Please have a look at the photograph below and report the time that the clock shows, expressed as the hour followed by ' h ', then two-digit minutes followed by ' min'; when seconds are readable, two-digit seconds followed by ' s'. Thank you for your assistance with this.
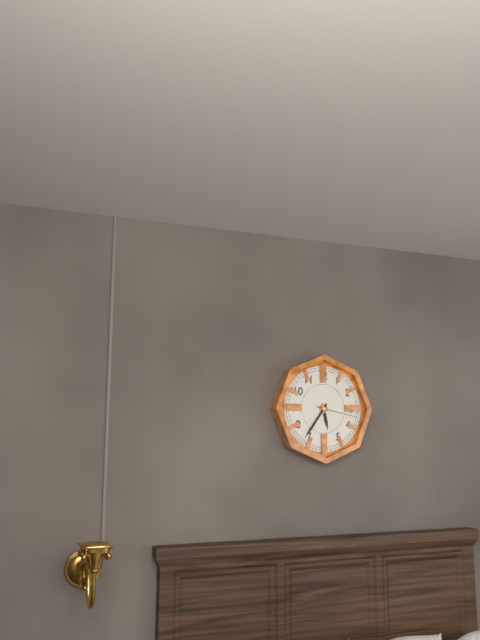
5 h 36 min
